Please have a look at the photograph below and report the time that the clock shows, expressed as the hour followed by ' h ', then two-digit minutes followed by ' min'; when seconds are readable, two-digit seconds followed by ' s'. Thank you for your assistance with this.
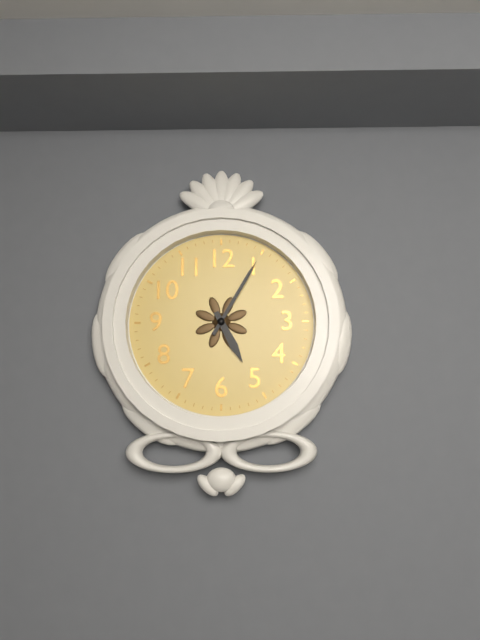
5 h 05 min
